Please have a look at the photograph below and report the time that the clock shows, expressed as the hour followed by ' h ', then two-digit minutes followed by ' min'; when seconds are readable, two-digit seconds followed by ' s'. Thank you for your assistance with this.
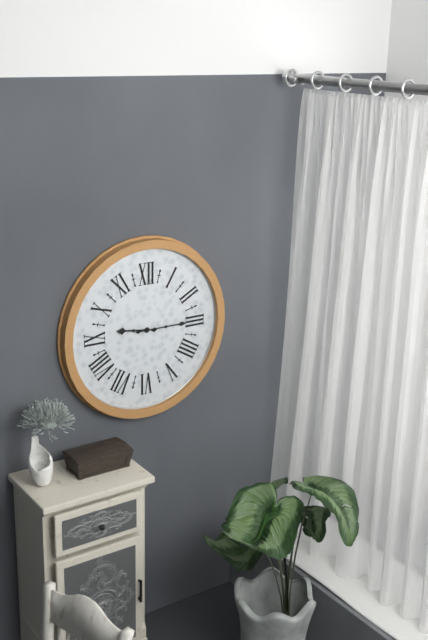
9 h 15 min
